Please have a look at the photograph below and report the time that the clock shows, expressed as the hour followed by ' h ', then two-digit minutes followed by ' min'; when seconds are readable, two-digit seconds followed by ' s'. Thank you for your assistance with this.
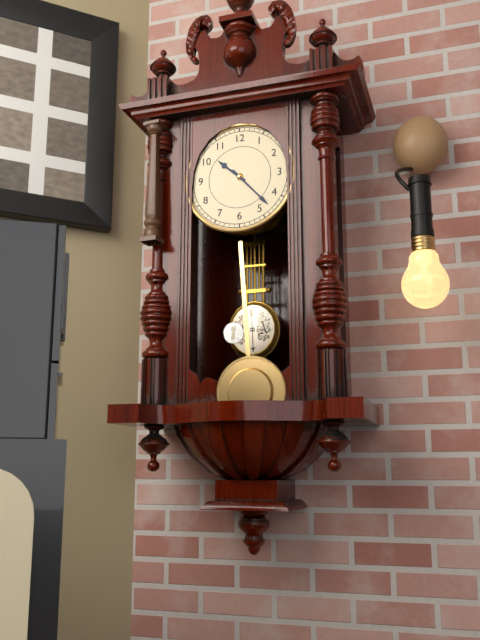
10 h 23 min
